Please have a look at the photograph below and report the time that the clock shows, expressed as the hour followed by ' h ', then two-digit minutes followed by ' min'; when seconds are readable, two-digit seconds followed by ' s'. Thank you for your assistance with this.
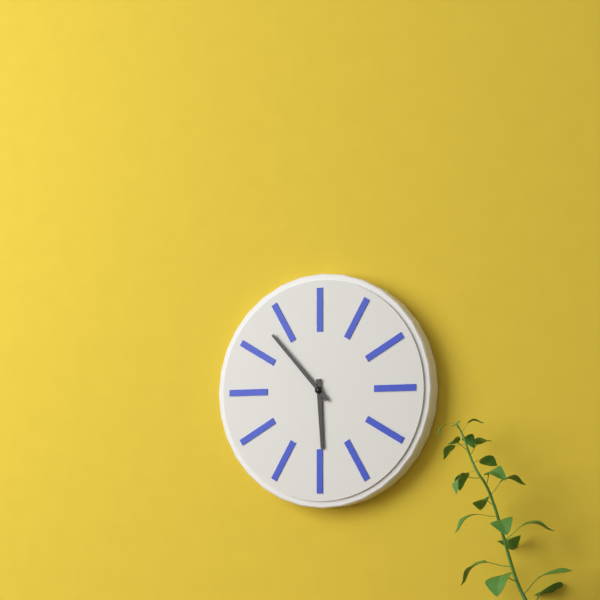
5 h 53 min
